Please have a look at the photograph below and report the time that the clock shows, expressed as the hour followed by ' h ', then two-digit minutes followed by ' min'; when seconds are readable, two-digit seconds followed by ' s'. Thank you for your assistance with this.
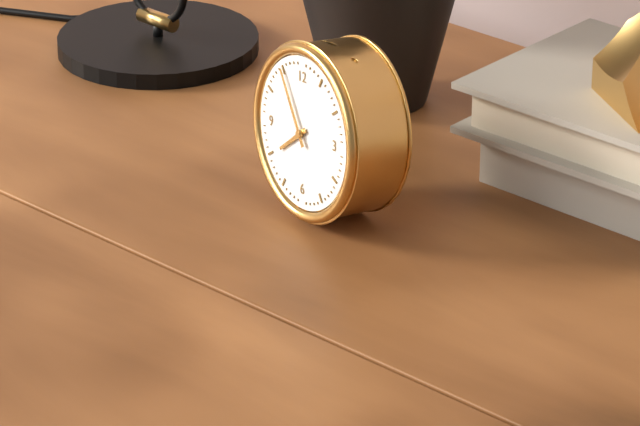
7 h 55 min
